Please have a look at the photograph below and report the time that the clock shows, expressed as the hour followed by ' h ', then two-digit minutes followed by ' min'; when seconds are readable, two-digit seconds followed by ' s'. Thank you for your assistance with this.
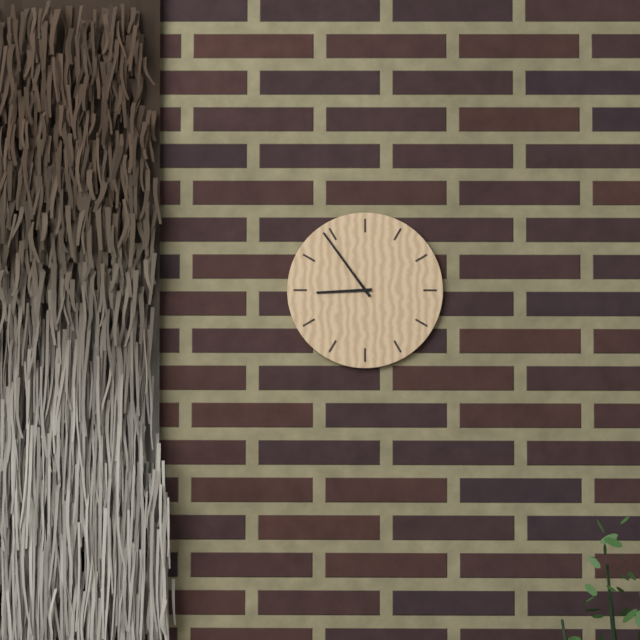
8 h 54 min
